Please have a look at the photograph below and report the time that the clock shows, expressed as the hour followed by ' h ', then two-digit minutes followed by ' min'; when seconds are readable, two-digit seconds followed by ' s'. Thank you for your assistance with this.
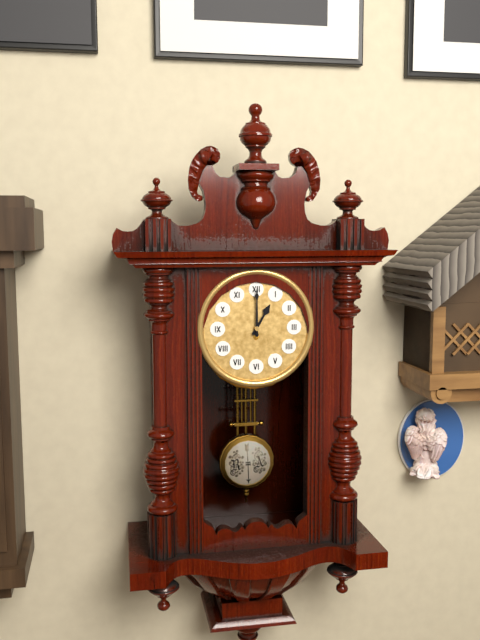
1 h 00 min
